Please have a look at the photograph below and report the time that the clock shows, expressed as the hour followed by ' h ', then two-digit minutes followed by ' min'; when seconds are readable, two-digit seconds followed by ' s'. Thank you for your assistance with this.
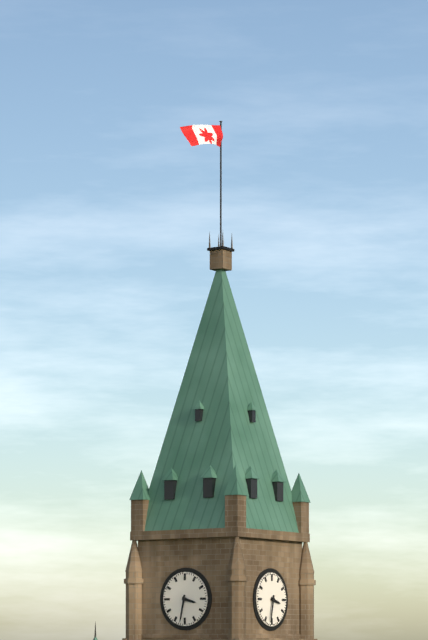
3 h 32 min
